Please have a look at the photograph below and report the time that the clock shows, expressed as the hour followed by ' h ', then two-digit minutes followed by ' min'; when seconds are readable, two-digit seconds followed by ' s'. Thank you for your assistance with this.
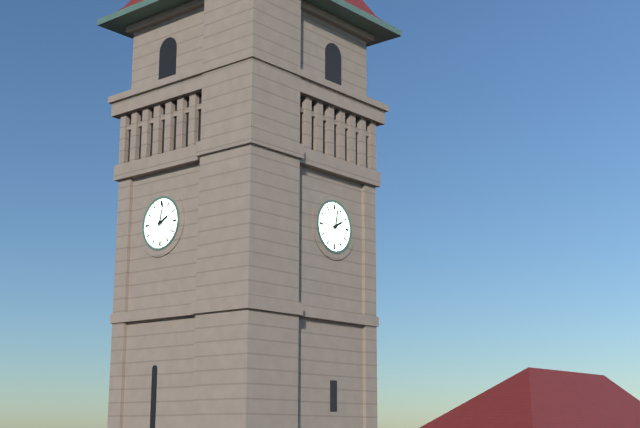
2 h 02 min
